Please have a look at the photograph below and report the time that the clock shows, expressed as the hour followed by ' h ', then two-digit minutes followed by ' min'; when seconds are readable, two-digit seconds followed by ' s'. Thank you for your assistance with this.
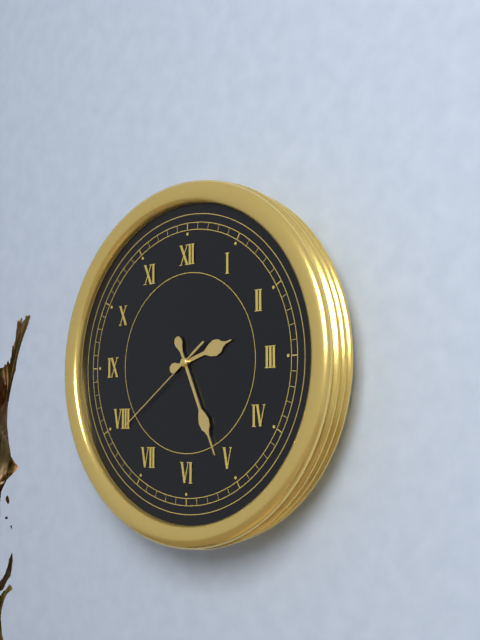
2 h 26 min 39 s
